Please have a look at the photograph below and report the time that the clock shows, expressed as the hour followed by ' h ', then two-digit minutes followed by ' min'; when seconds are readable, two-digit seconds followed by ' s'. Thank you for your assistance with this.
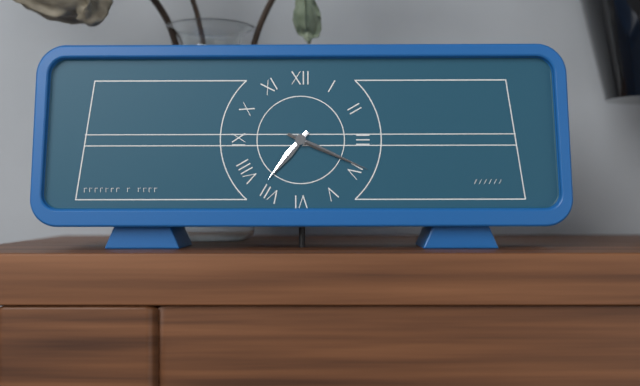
7 h 19 min
